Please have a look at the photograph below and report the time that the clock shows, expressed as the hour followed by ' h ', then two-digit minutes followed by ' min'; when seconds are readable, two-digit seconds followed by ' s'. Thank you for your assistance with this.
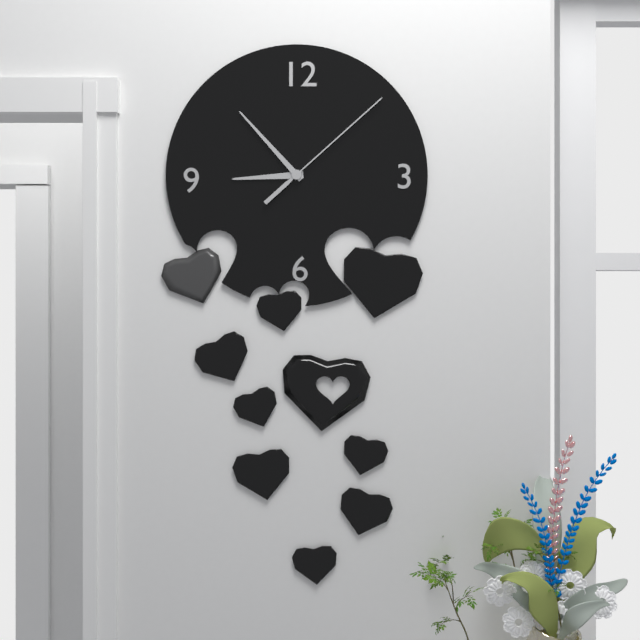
8 h 53 min 08 s
